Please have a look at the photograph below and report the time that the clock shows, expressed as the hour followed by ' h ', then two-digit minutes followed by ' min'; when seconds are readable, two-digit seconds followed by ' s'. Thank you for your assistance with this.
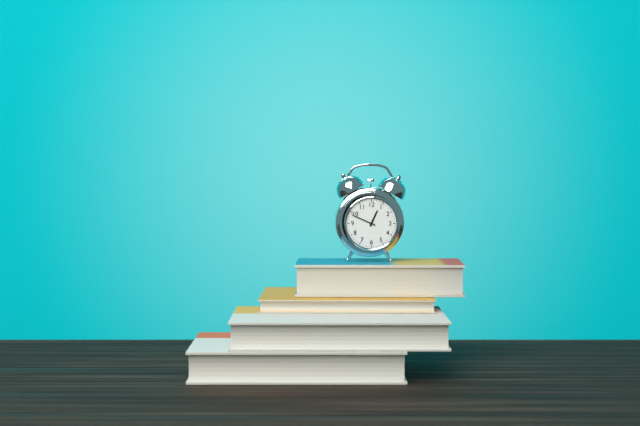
12 h 49 min
